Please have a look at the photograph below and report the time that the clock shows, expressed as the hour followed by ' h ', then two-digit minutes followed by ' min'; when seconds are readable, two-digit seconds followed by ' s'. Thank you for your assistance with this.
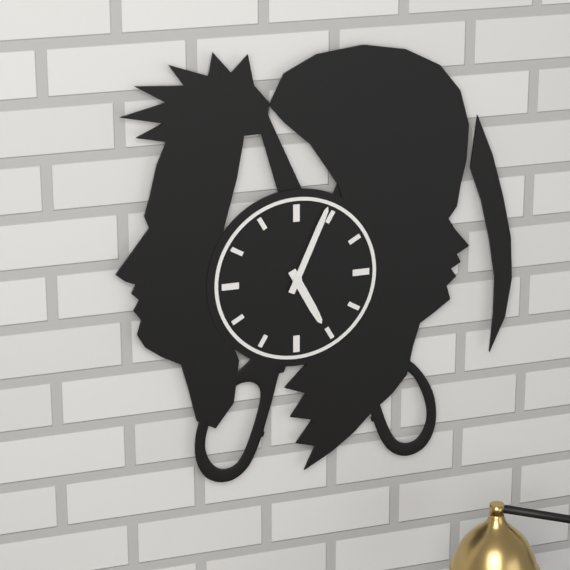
5 h 04 min
